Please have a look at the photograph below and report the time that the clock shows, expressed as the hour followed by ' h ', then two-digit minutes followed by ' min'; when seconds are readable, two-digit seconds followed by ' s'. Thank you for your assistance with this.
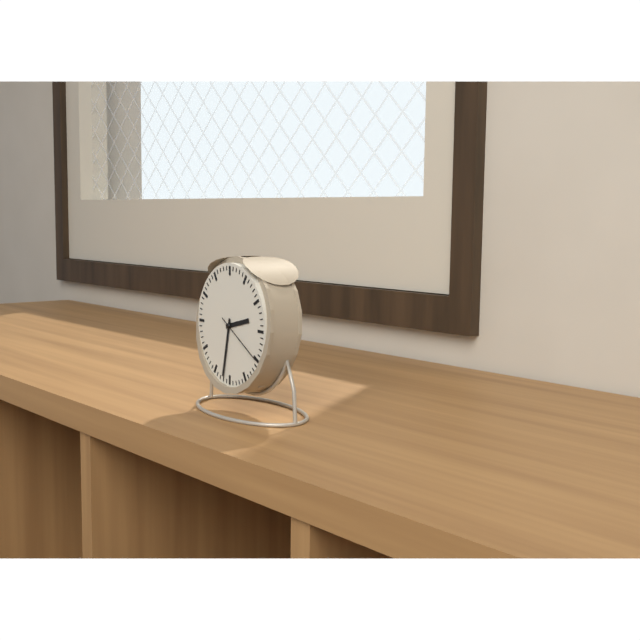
2 h 32 min 20 s
